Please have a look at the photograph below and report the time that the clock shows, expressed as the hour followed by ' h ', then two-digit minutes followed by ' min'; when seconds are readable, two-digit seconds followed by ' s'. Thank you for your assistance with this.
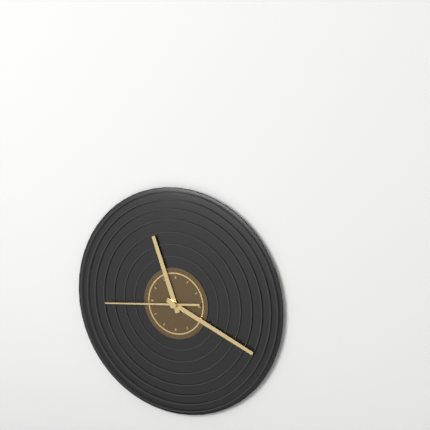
11 h 19 min 44 s
